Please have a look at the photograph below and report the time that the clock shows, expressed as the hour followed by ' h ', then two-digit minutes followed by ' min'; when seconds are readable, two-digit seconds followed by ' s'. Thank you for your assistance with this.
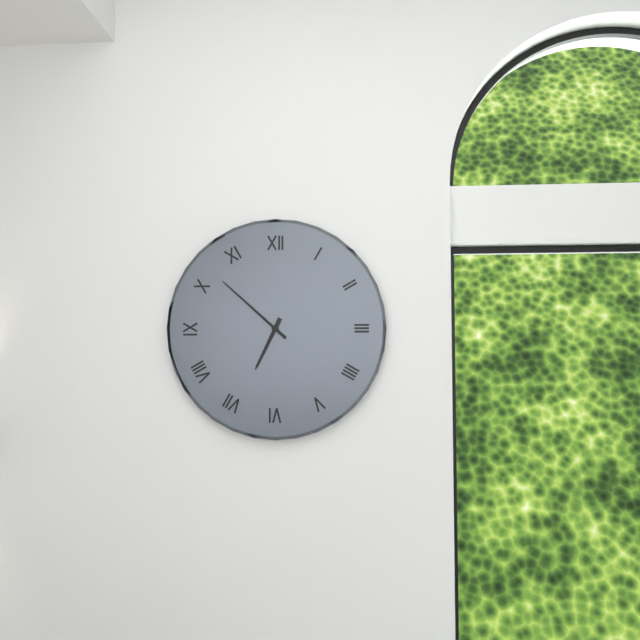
6 h 52 min
